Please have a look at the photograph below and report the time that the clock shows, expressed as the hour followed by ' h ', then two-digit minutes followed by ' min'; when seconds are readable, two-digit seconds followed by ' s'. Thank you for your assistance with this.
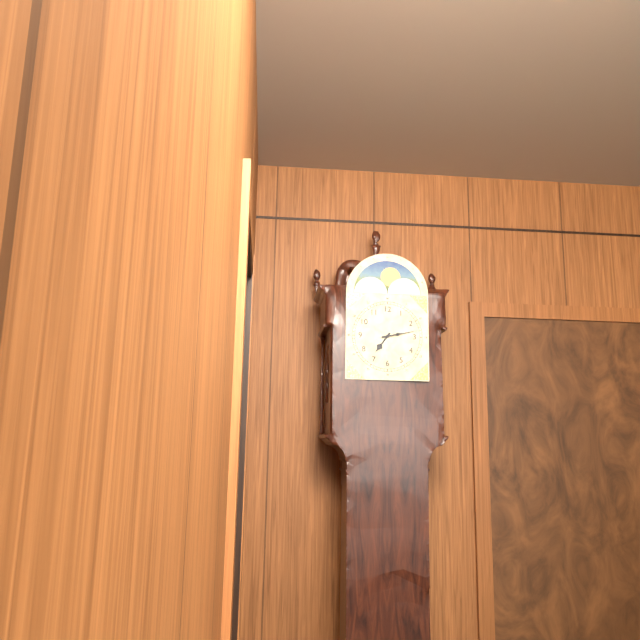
7 h 13 min
